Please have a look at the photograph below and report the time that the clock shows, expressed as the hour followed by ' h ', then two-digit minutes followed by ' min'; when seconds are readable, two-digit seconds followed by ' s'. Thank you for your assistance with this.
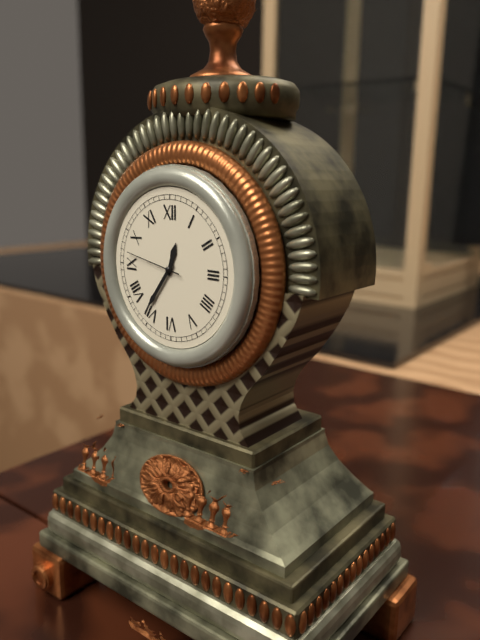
12 h 36 min 47 s
